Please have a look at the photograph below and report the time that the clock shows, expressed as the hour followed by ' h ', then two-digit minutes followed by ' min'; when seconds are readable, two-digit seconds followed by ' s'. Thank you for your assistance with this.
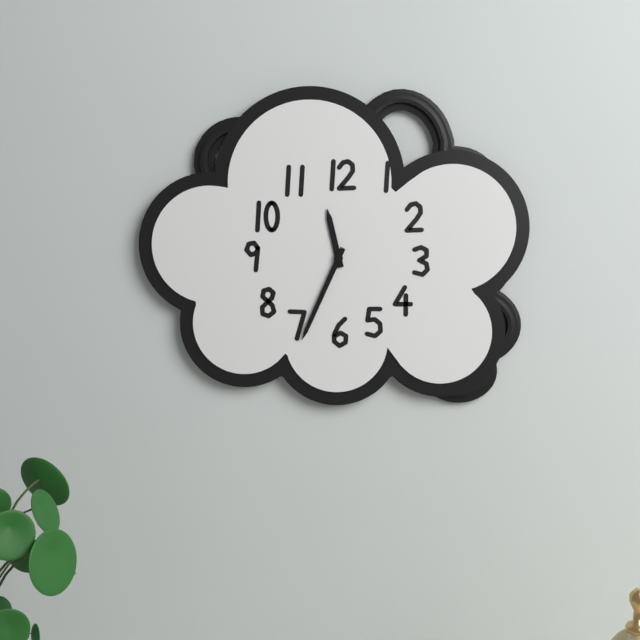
11 h 34 min
